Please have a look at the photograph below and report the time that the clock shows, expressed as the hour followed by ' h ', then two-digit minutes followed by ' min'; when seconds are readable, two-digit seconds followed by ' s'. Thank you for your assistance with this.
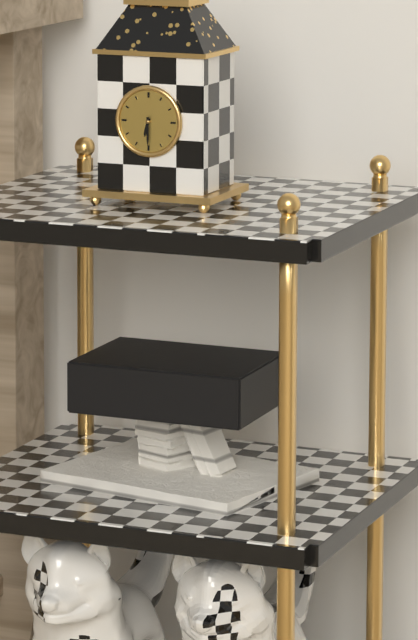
6 h 30 min
